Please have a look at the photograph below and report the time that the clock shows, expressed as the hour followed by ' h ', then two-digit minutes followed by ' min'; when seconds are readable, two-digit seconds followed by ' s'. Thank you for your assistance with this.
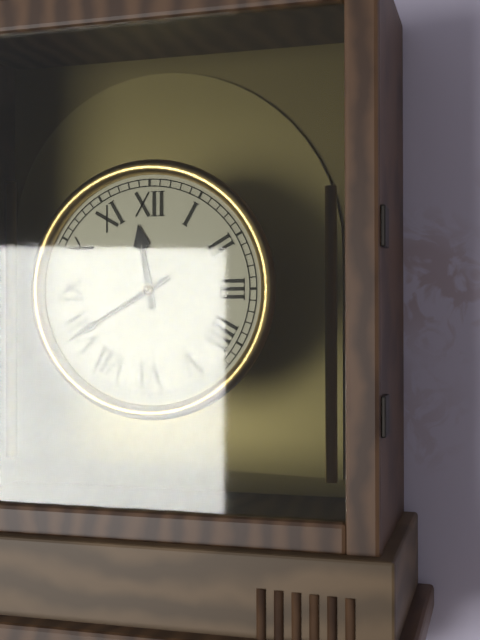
11 h 40 min
